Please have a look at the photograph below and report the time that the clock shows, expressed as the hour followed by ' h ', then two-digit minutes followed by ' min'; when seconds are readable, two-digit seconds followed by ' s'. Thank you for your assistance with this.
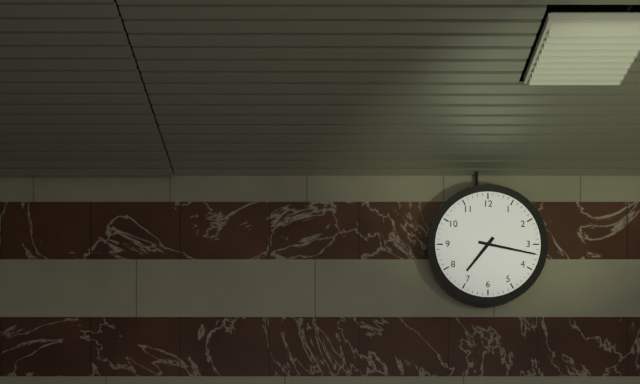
7 h 17 min
